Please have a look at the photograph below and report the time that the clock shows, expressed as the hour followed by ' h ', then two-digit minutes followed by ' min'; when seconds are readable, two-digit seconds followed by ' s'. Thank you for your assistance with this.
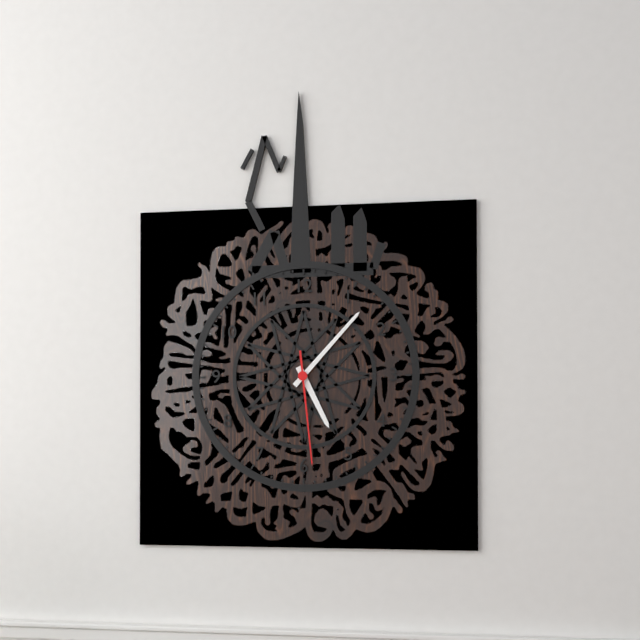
5 h 07 min 29 s
